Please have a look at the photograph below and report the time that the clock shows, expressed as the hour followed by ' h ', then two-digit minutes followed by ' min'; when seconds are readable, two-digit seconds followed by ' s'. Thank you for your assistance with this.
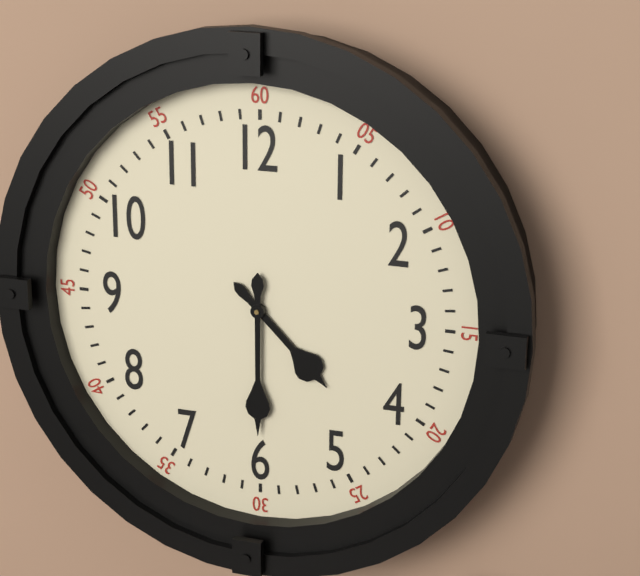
4 h 30 min
